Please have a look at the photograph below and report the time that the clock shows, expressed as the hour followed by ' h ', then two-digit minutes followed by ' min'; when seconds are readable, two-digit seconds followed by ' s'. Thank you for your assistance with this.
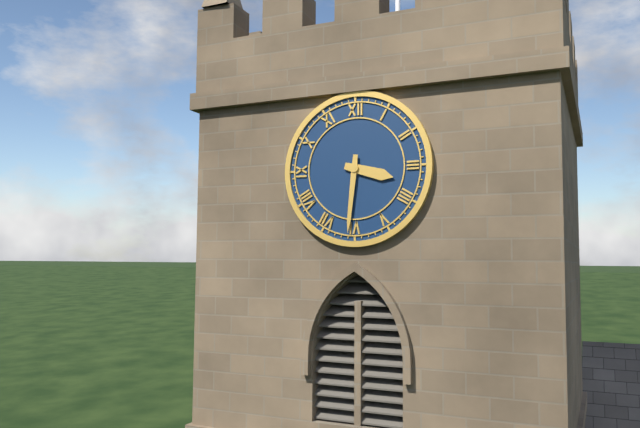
3 h 31 min
